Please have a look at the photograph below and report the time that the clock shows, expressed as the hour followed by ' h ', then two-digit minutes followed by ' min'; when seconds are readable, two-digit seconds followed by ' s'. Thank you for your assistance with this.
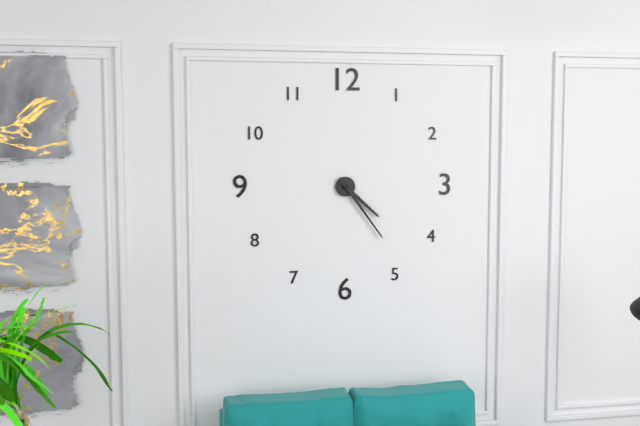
4 h 24 min
